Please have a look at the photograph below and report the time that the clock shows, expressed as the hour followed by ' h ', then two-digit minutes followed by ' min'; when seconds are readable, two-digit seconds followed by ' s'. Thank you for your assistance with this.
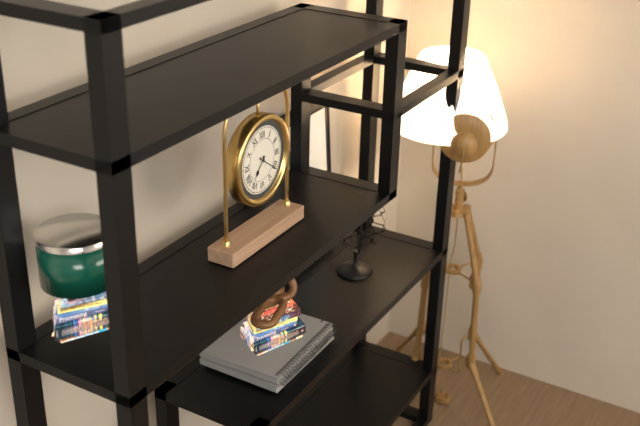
7 h 21 min
